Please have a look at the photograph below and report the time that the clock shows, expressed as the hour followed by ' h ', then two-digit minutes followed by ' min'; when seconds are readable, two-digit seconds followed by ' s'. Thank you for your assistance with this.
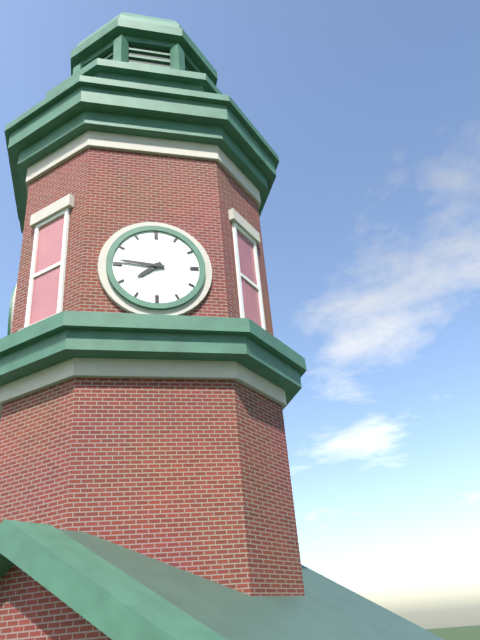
7 h 46 min
